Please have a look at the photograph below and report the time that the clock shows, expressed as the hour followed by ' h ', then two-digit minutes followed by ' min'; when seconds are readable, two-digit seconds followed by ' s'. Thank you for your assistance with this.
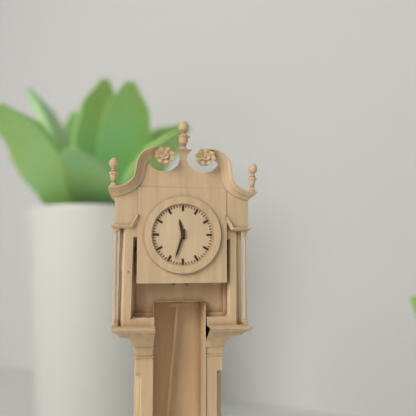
11 h 33 min
